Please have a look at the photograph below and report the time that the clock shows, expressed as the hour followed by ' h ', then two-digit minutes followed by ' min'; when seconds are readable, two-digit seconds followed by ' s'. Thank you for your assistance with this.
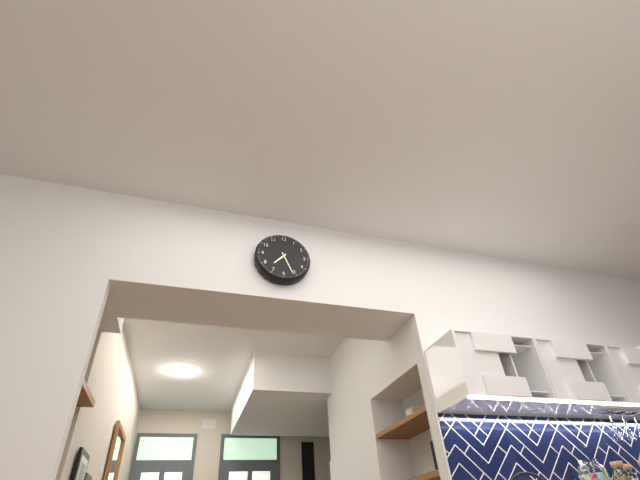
7 h 26 min
